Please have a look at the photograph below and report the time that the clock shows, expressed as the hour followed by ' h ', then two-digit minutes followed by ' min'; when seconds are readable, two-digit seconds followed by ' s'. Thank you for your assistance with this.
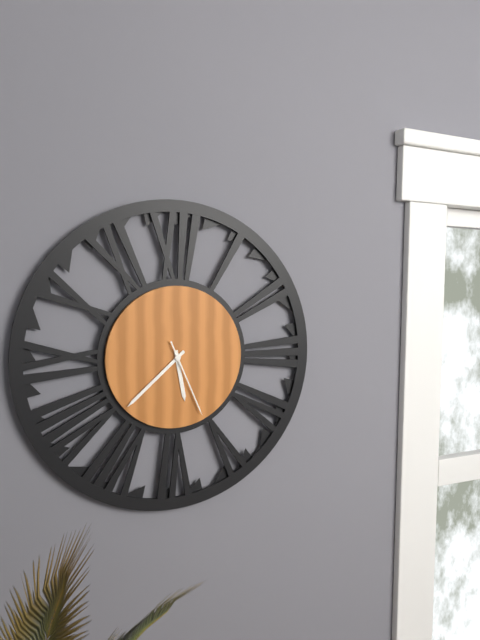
5 h 38 min 26 s
